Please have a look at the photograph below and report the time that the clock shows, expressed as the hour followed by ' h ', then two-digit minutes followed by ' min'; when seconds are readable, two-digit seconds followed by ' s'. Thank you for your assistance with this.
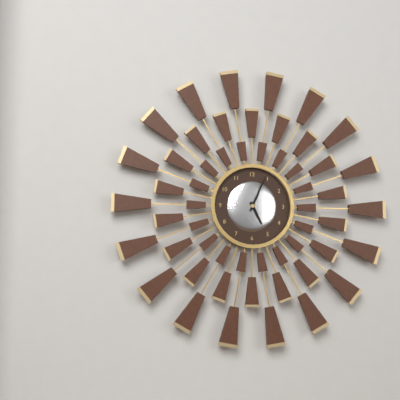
5 h 04 min
